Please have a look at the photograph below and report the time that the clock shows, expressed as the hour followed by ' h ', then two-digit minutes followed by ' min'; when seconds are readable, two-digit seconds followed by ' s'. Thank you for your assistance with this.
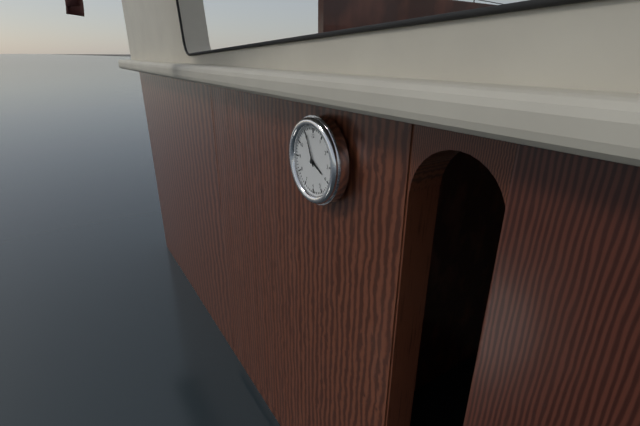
3 h 56 min
